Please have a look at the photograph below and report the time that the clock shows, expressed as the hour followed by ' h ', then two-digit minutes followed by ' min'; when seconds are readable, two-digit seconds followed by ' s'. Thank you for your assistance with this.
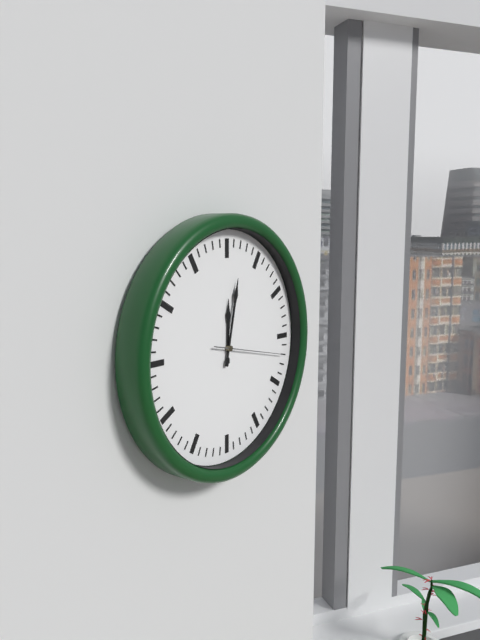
12 h 02 min 17 s
